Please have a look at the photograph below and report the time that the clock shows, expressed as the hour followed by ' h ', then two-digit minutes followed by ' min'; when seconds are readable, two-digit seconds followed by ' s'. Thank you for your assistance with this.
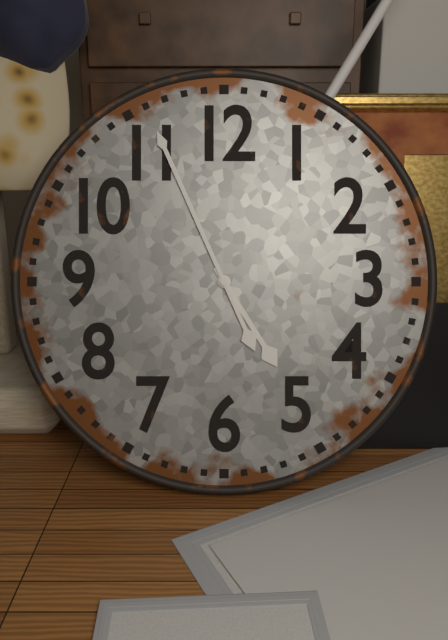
4 h 56 min
